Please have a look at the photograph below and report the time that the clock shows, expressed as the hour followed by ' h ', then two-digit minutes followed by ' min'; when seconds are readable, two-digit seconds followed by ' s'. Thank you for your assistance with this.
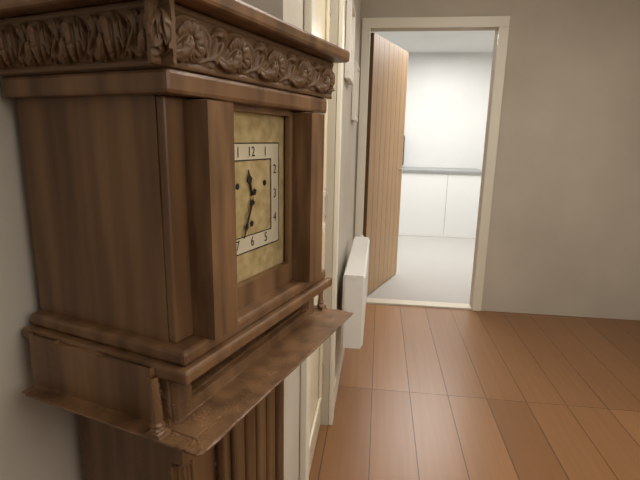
11 h 34 min
